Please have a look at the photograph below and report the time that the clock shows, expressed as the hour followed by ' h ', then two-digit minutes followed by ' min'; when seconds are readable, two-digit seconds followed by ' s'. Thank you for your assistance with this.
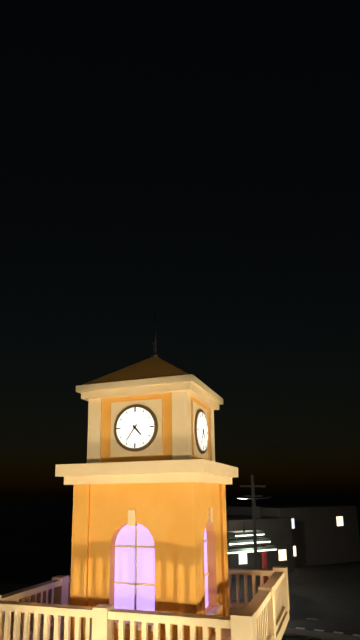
4 h 36 min
